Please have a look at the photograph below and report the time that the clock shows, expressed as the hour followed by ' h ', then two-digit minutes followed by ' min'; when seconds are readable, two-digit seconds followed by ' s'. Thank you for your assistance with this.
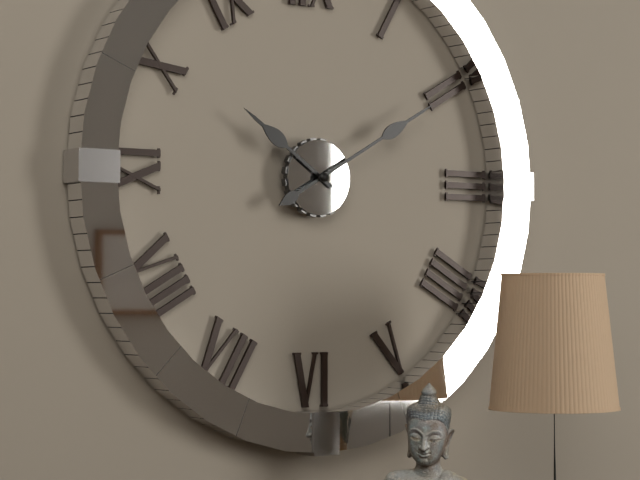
10 h 10 min
